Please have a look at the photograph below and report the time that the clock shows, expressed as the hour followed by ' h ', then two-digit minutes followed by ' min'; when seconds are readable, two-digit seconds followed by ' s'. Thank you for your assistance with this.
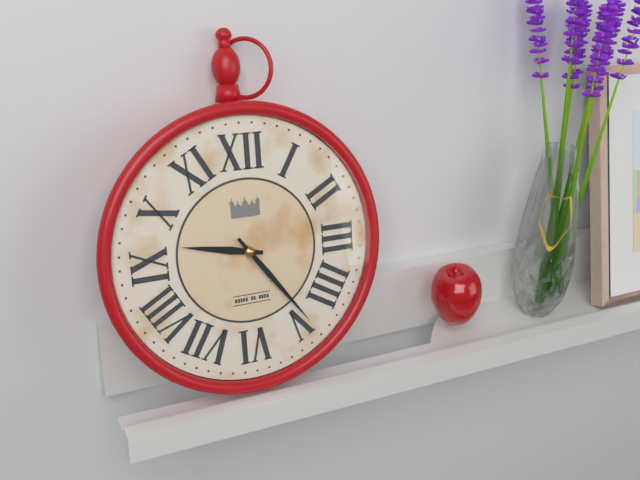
9 h 24 min
